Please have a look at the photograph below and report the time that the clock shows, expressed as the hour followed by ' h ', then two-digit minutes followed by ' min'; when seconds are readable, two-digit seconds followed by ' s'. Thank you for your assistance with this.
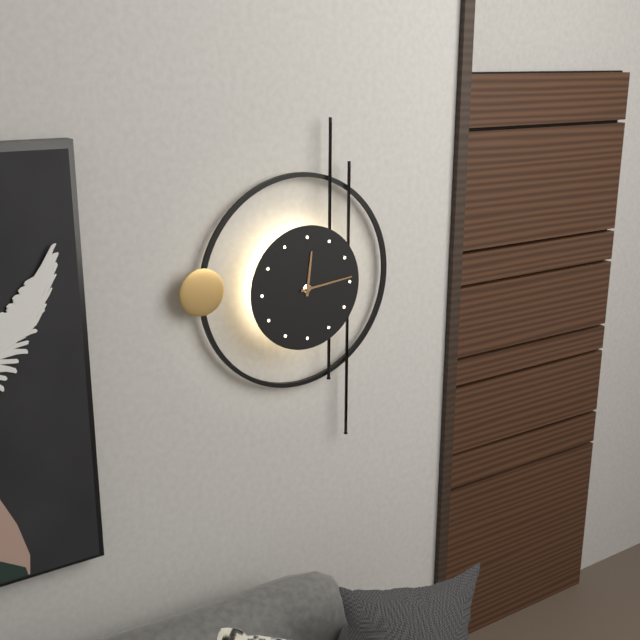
12 h 14 min
